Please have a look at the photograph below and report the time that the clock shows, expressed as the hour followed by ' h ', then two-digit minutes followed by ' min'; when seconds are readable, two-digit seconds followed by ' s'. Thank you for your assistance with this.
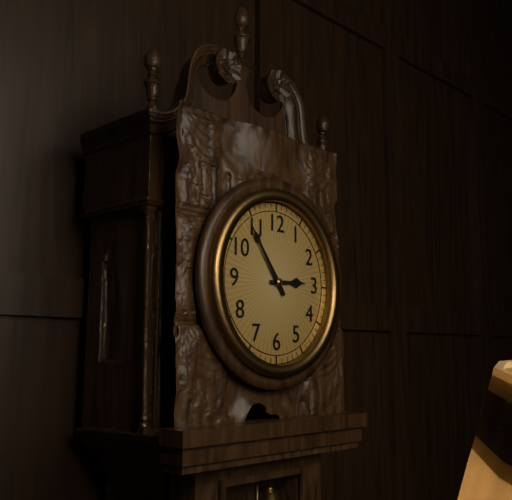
2 h 54 min
